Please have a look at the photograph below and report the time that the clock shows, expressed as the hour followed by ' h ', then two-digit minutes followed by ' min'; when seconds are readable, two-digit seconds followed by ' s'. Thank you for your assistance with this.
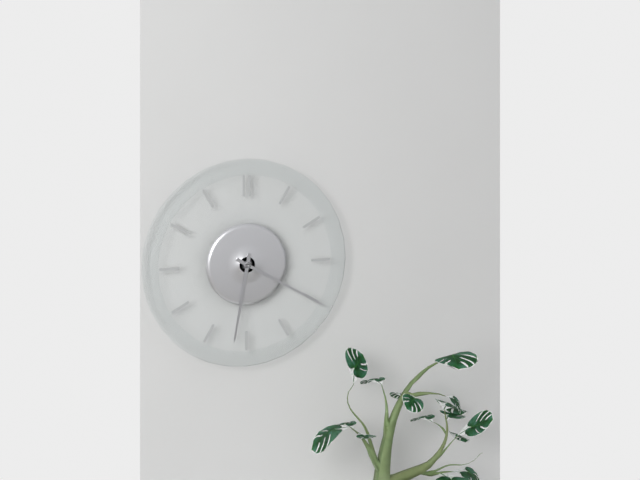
6 h 20 min
